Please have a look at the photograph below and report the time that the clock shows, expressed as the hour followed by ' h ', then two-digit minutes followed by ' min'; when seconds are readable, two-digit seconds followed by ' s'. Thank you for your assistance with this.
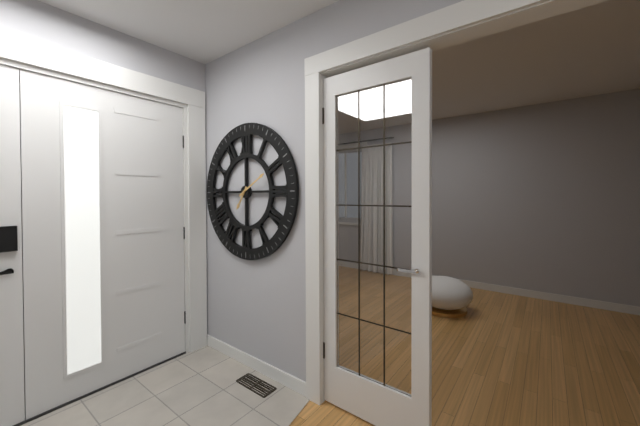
7 h 10 min
